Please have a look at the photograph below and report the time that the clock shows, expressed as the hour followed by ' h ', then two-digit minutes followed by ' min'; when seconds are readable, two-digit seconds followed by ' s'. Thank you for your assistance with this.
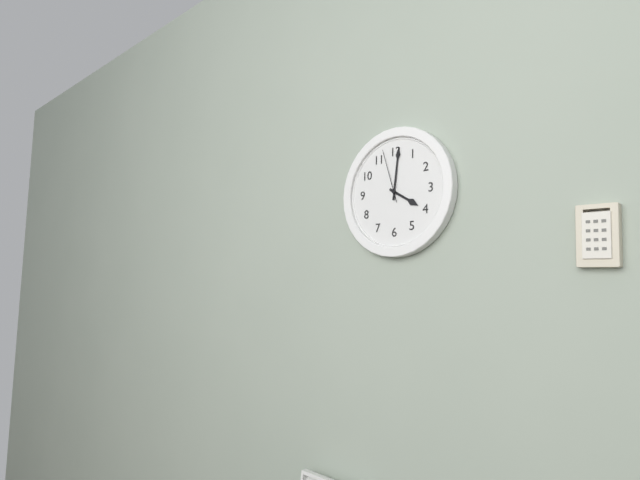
4 h 01 min 57 s
